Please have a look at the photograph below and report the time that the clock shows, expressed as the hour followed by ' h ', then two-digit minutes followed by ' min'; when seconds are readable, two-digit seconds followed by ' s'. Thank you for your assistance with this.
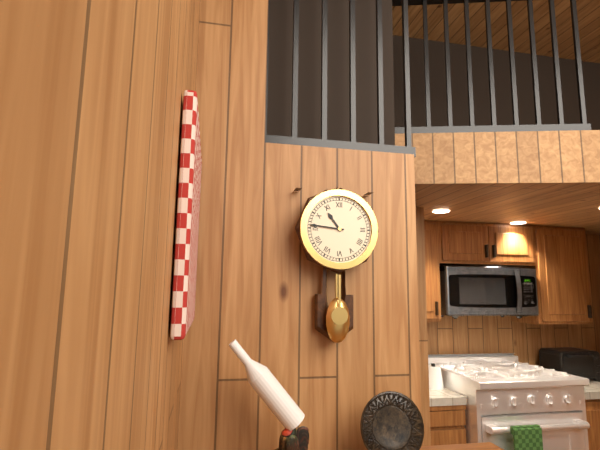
10 h 46 min
